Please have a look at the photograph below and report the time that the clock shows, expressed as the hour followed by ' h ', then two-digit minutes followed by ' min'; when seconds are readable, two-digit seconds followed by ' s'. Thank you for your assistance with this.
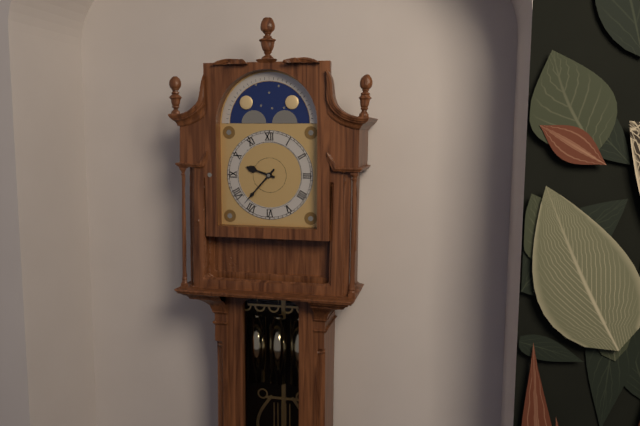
9 h 37 min
